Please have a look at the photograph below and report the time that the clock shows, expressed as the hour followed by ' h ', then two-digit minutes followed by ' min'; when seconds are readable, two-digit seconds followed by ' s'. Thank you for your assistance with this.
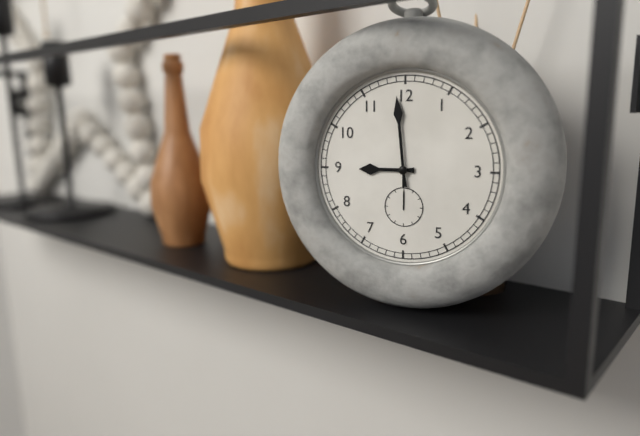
8 h 59 min
